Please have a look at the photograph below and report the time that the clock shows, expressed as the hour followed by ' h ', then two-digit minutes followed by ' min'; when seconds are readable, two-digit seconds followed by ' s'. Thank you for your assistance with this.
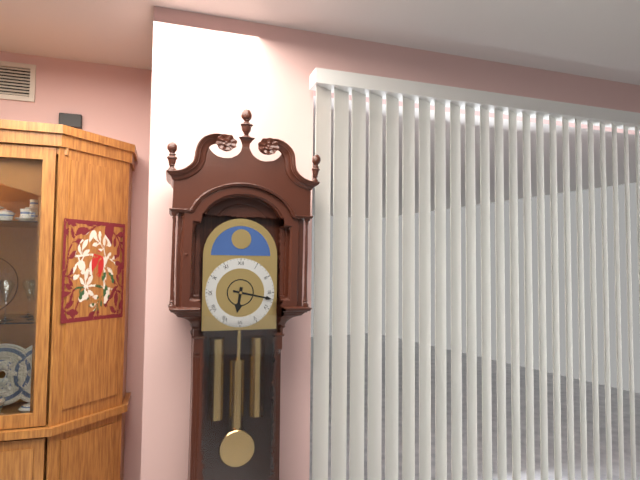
6 h 17 min
